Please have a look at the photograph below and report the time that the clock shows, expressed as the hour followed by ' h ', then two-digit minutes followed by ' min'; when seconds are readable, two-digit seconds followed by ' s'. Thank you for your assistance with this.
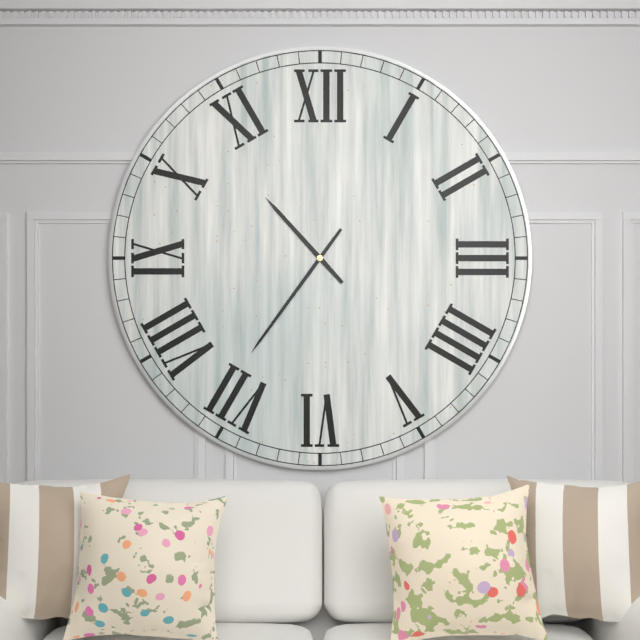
10 h 36 min
